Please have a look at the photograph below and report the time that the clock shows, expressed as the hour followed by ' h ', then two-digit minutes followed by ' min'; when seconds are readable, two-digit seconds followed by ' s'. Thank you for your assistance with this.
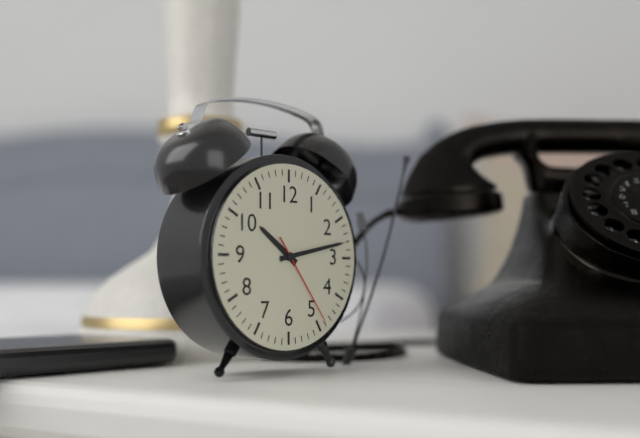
10 h 13 min 24 s
